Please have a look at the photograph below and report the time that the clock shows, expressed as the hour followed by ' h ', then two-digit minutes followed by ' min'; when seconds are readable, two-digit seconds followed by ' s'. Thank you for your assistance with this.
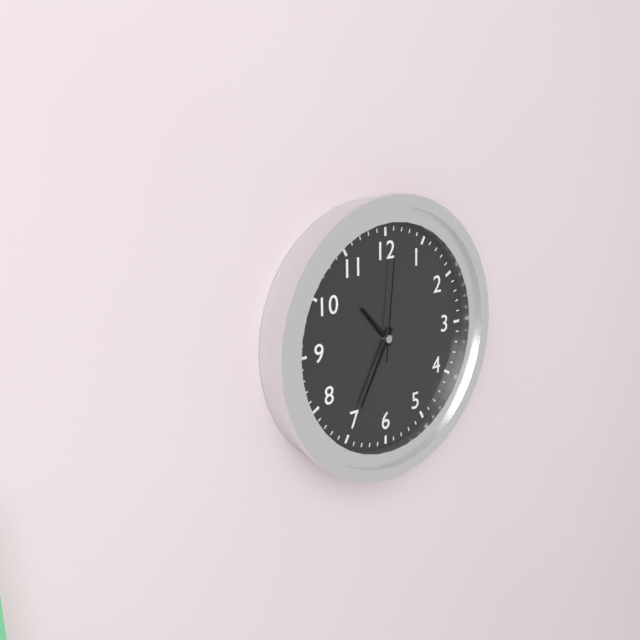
10 h 35 min 01 s
